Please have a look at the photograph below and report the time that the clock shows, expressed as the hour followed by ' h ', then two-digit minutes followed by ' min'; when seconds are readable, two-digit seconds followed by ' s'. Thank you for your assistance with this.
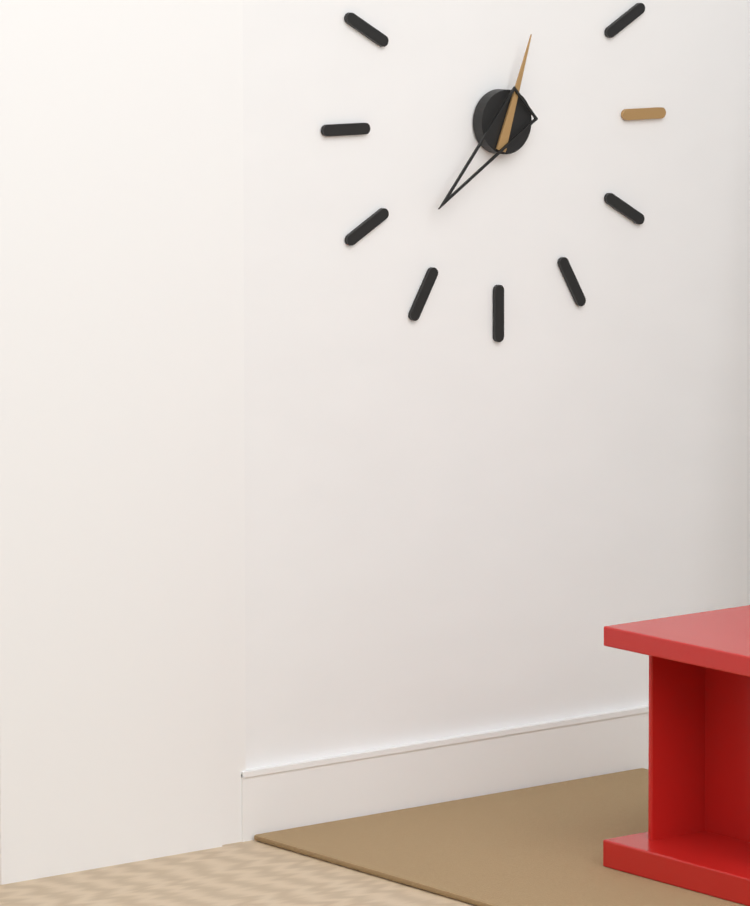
12 h 38 min
